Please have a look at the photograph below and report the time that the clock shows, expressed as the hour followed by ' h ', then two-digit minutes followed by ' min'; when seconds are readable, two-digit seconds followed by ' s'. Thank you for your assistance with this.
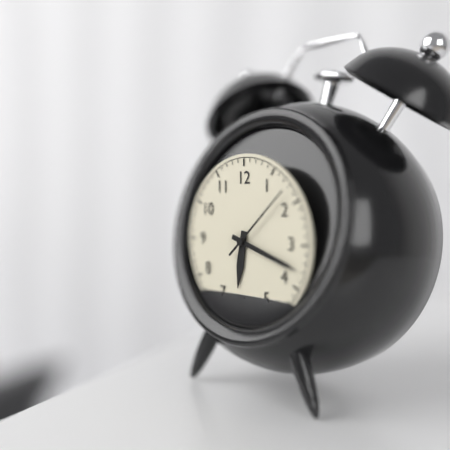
6 h 18 min 08 s
